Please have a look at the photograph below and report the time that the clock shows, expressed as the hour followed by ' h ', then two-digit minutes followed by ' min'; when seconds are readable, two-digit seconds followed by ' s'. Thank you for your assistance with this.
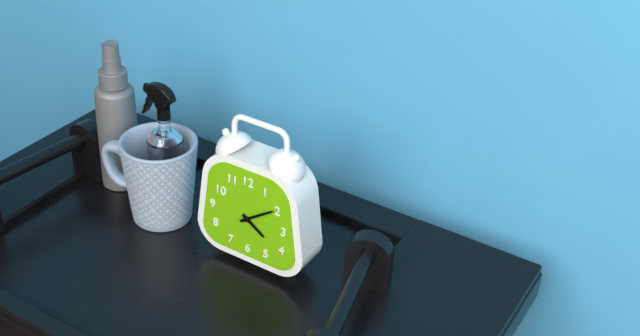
4 h 09 min
